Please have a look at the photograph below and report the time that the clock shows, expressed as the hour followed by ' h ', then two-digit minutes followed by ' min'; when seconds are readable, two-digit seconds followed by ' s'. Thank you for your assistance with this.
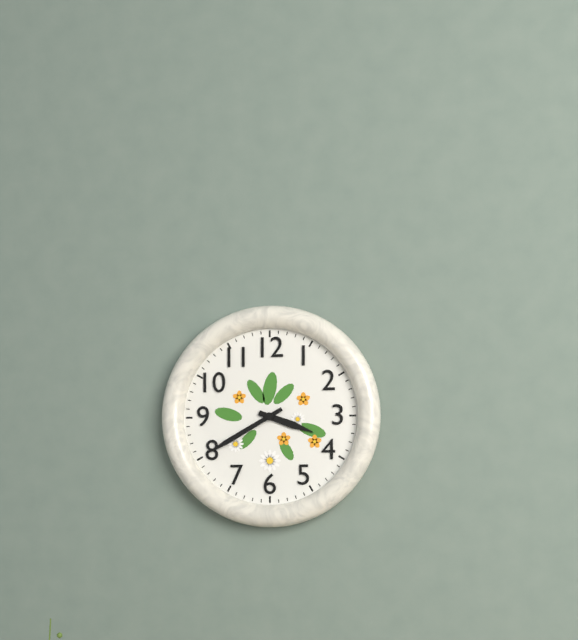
3 h 40 min
